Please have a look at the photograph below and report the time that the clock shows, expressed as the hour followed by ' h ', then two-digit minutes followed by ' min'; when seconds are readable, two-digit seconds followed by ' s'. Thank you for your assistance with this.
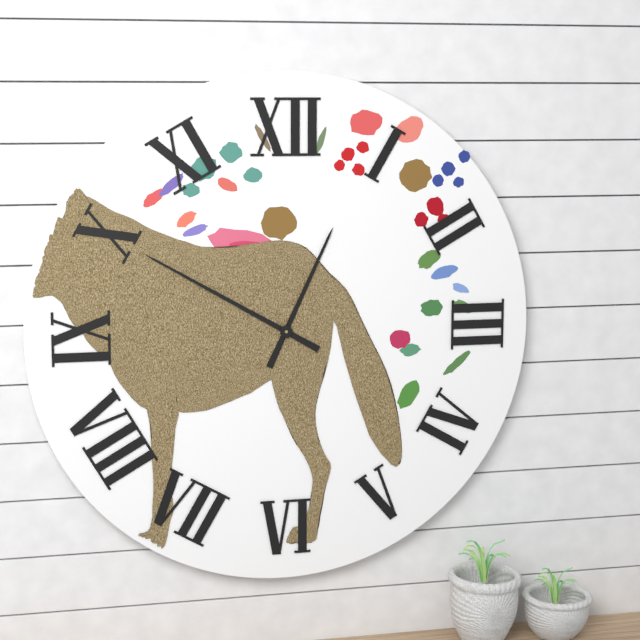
12 h 50 min
